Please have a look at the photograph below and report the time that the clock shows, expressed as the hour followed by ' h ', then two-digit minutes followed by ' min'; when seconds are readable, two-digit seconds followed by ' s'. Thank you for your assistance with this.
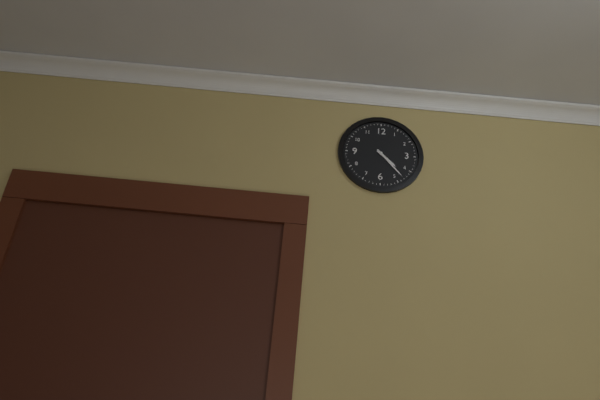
4 h 23 min
